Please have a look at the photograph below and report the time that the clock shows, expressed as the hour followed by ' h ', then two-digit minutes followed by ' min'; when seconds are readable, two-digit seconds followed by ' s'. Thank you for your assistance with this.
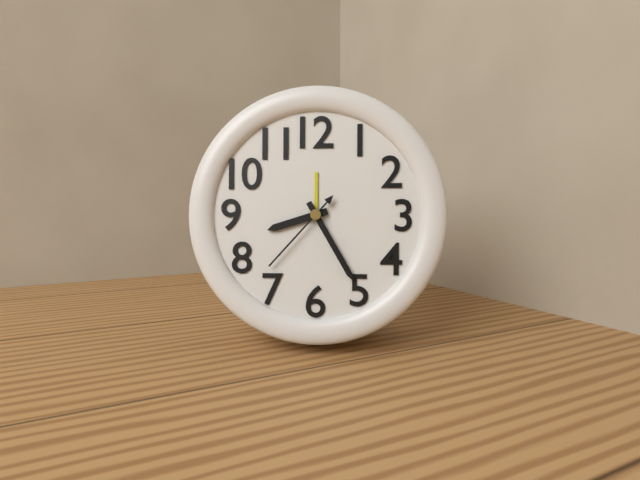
8 h 25 min 37 s
